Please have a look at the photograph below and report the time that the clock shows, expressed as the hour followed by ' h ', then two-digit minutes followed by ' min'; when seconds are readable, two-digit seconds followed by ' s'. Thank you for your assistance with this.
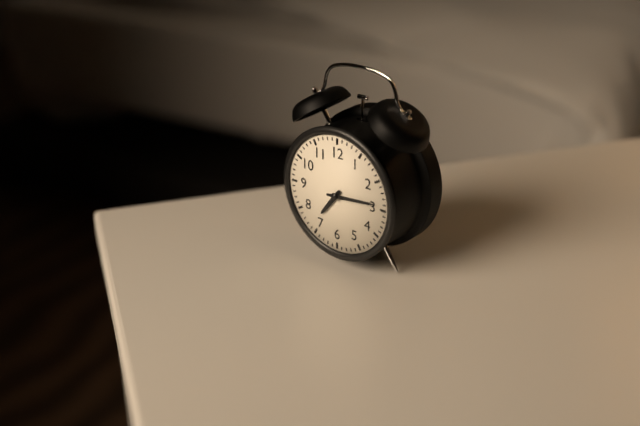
7 h 14 min
